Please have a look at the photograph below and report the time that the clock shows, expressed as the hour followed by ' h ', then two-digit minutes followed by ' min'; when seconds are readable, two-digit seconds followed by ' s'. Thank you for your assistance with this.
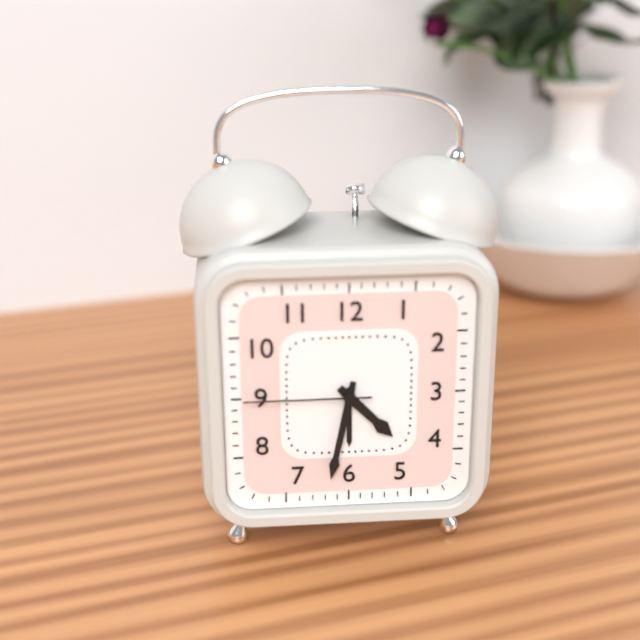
4 h 32 min 45 s
